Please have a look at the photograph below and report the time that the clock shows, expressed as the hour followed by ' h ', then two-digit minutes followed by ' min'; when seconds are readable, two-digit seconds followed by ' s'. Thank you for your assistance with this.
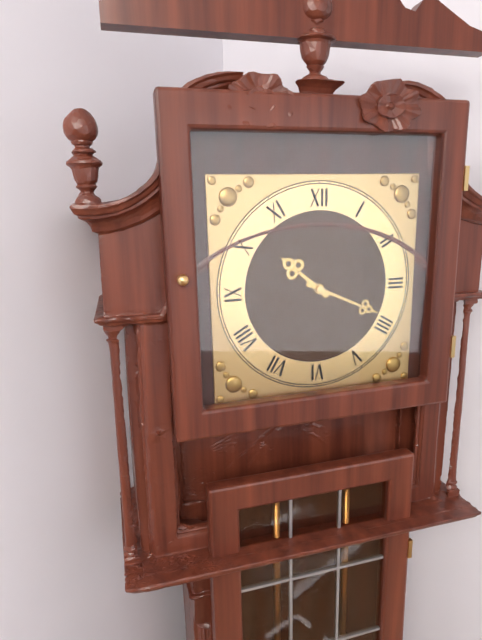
10 h 19 min
